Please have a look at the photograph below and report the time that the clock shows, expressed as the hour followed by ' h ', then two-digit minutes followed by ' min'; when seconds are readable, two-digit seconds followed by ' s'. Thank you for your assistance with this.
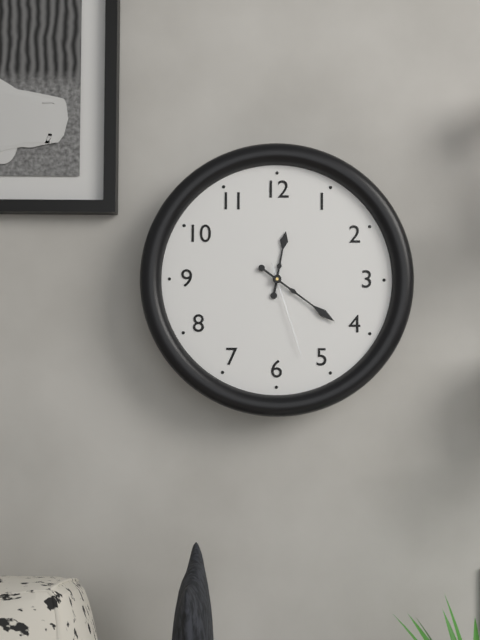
12 h 21 min 27 s
